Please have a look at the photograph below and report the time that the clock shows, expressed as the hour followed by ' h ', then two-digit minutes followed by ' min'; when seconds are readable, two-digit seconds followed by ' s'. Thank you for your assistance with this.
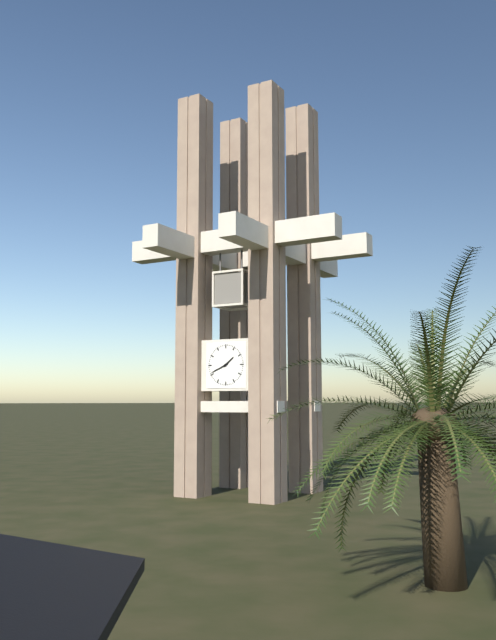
1 h 41 min
